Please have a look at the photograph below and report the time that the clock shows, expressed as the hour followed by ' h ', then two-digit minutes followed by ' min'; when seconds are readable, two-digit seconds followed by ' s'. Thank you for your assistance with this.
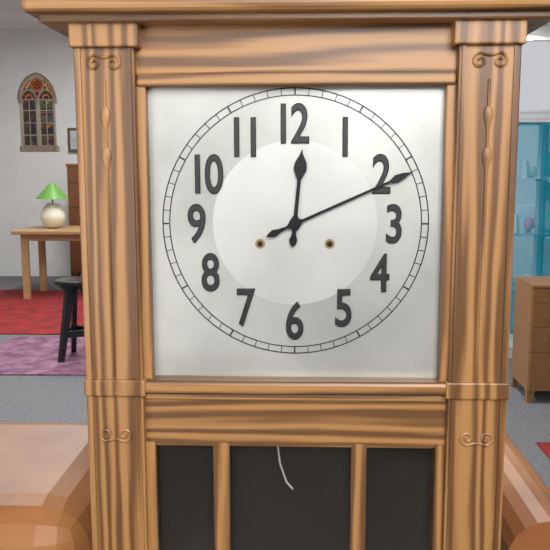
12 h 11 min
